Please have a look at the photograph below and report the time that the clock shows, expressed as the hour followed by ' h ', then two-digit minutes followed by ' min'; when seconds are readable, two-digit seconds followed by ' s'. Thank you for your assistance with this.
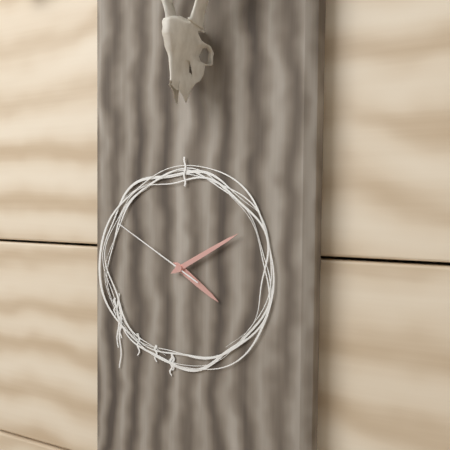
4 h 10 min 50 s
